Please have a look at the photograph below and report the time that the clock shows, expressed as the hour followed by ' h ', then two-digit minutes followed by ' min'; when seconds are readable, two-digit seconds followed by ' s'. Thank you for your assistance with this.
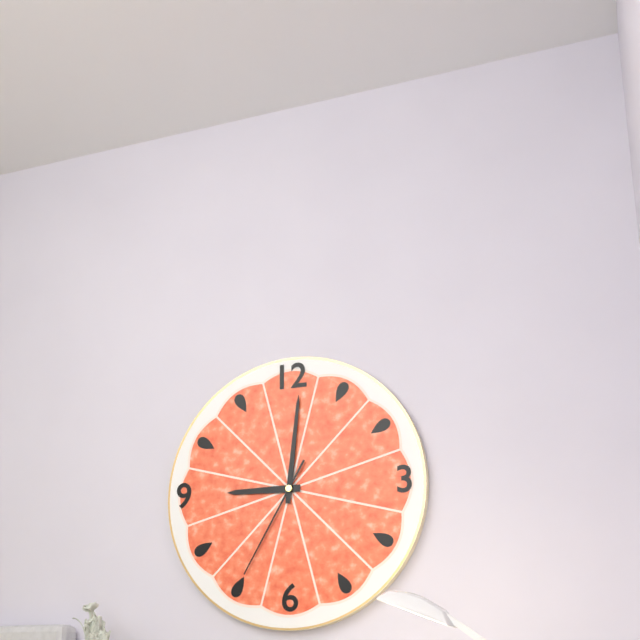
9 h 01 min 35 s
